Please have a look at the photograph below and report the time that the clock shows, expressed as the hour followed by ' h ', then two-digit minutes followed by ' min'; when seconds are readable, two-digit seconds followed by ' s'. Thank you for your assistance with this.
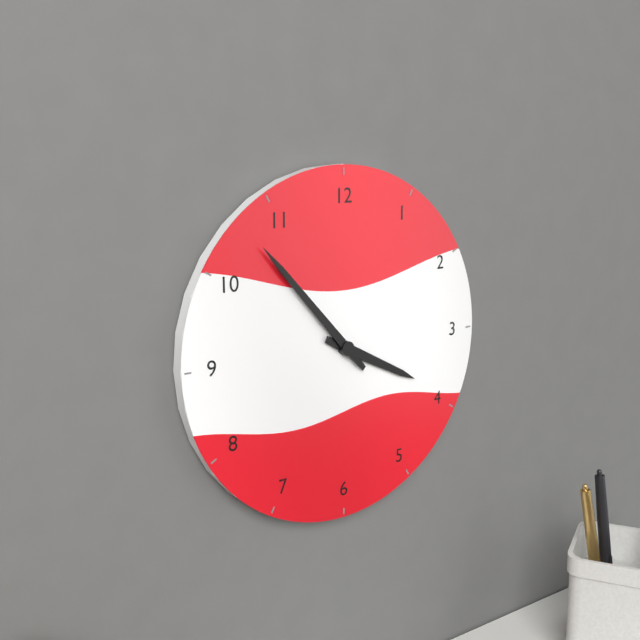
3 h 53 min
